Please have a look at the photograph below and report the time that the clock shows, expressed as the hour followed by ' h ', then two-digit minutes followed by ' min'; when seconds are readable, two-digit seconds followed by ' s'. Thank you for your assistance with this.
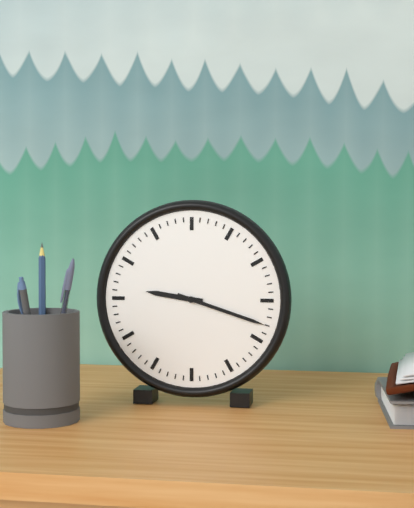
9 h 18 min
